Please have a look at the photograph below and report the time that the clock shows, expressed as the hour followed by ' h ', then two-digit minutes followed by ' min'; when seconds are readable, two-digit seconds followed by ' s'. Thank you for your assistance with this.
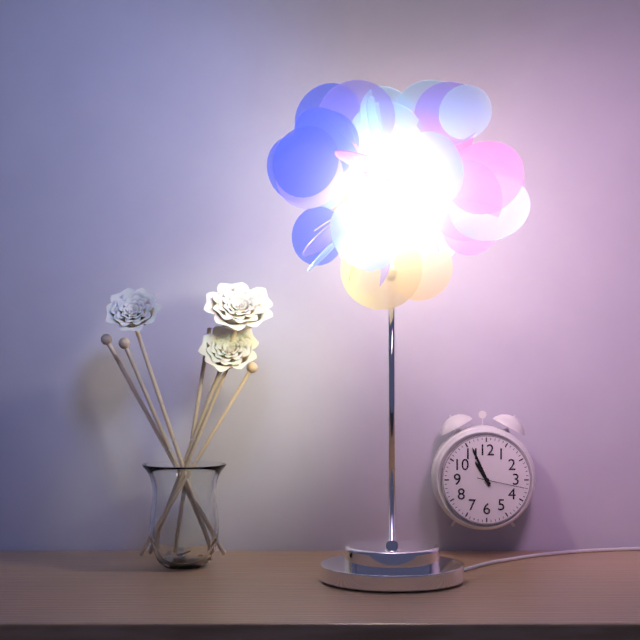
10 h 56 min
